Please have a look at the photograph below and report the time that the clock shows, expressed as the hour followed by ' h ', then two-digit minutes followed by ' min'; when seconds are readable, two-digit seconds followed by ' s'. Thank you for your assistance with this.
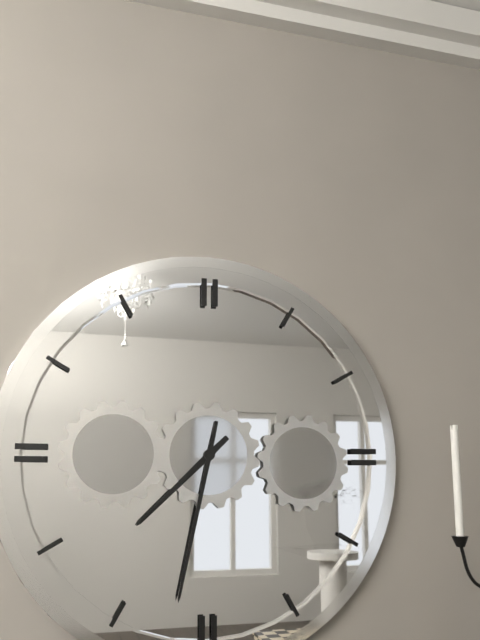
7 h 32 min
